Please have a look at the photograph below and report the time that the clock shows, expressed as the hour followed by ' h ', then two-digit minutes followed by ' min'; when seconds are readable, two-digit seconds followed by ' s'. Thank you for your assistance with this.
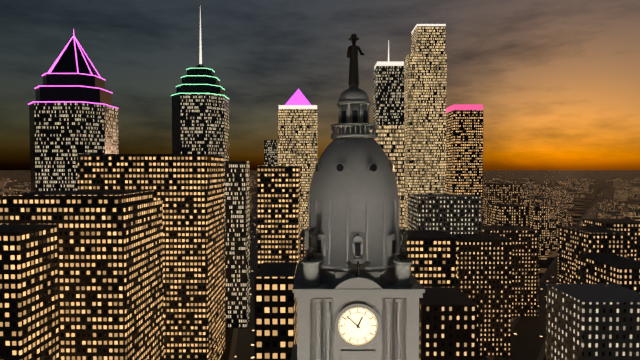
12 h 52 min
